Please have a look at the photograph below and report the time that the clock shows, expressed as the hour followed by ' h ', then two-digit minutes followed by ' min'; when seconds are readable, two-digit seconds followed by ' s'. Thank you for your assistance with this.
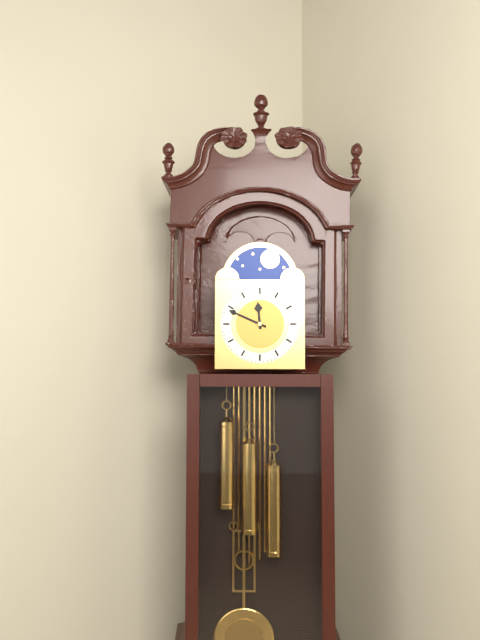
11 h 49 min
